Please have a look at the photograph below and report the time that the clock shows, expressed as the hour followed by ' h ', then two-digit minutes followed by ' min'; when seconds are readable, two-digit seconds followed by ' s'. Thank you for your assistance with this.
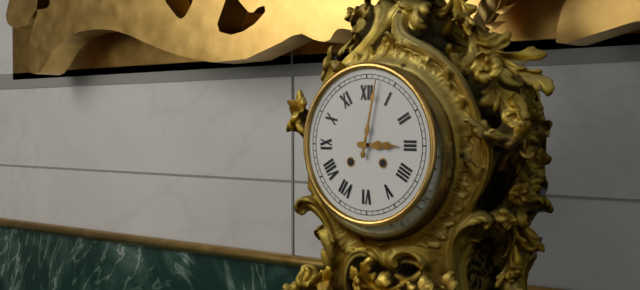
3 h 02 min
